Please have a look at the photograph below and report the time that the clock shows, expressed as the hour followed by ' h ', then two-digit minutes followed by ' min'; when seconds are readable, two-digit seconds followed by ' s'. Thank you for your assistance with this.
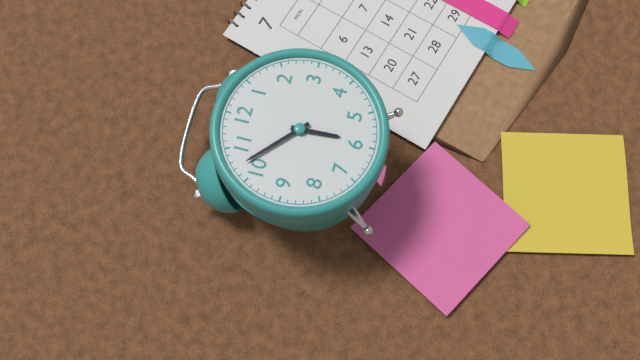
5 h 52 min
